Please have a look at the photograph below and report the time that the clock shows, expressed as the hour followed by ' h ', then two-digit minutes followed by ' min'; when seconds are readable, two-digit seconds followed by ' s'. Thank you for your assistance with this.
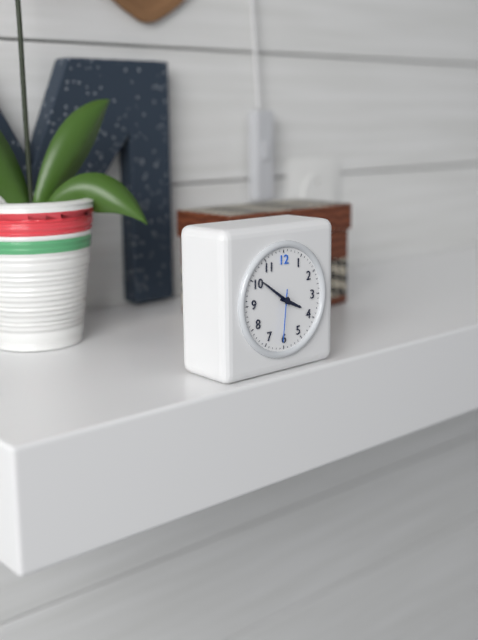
3 h 51 min 31 s
